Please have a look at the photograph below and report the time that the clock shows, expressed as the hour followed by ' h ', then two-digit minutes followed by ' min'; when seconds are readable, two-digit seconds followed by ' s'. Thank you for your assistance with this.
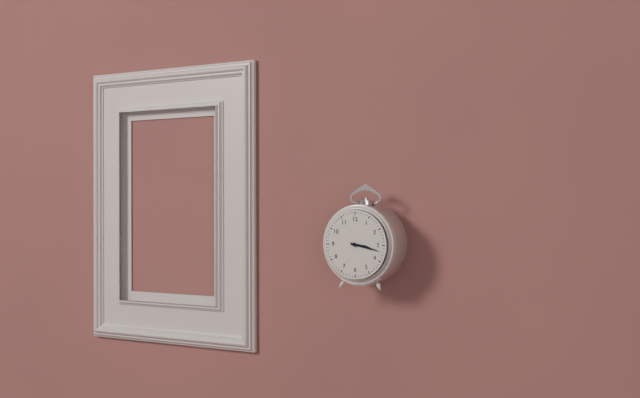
3 h 17 min
